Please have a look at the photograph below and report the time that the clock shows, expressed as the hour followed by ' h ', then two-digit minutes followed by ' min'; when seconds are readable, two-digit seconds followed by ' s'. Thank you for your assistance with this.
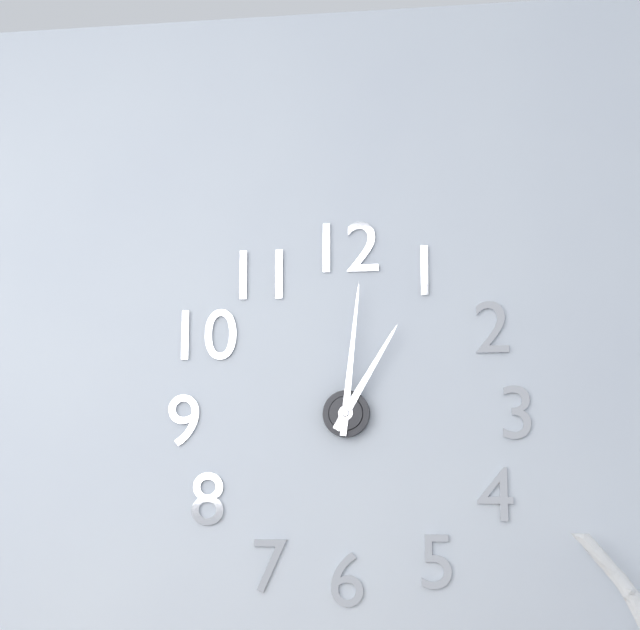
1 h 01 min
